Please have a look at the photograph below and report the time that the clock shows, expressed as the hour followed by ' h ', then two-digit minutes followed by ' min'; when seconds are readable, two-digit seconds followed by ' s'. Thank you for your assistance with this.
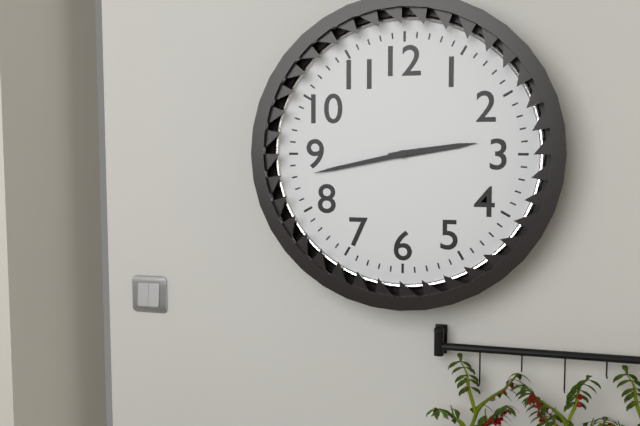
2 h 43 min
